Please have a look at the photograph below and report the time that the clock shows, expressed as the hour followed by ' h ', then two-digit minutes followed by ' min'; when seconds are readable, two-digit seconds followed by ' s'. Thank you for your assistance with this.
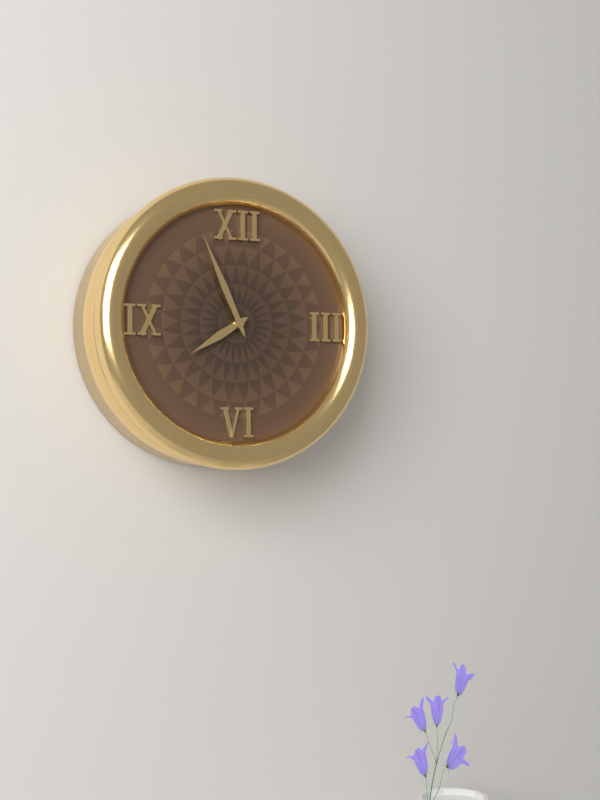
7 h 56 min
